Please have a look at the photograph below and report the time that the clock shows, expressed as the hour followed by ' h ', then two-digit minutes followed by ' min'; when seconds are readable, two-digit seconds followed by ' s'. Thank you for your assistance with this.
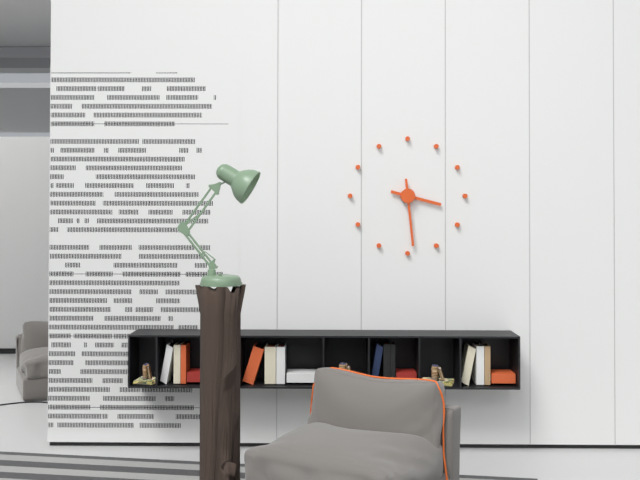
3 h 29 min
